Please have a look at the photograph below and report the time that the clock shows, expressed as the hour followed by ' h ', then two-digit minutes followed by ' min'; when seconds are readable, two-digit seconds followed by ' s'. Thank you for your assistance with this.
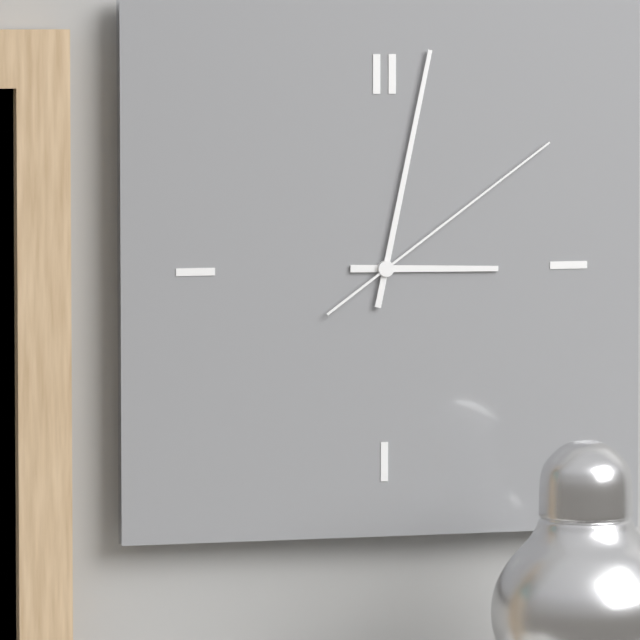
3 h 02 min 09 s
